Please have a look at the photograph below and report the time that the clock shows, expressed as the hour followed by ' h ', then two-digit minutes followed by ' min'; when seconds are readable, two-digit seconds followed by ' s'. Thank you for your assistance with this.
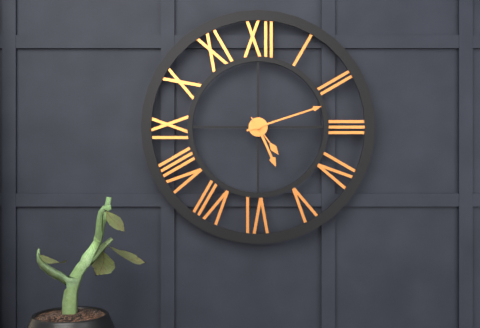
5 h 12 min
